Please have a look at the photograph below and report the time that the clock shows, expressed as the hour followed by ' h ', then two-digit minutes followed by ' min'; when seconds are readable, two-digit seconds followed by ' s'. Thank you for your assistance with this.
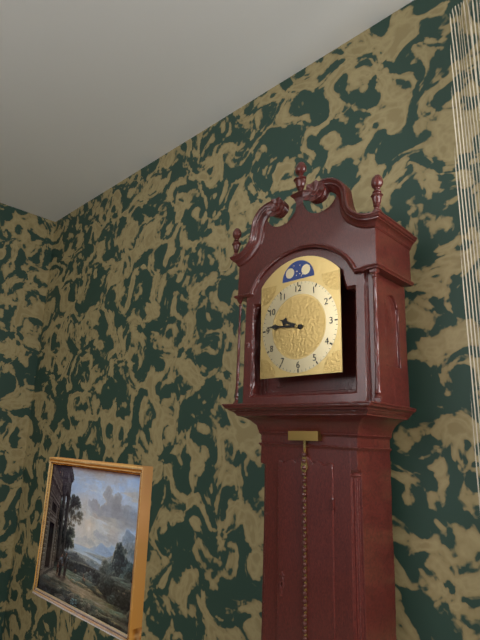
9 h 46 min
